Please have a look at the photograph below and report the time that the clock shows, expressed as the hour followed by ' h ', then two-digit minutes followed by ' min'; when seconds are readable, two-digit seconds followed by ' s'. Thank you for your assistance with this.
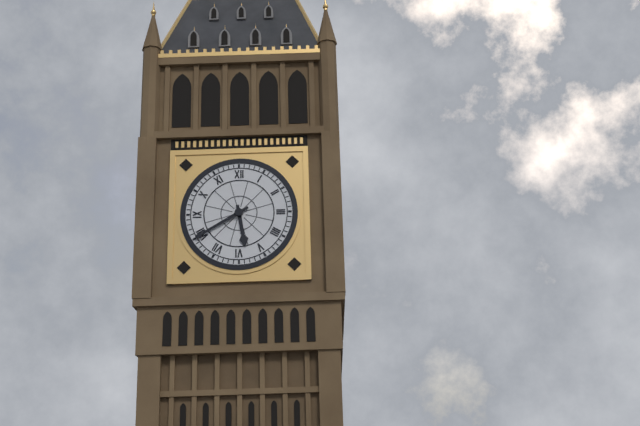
5 h 40 min
